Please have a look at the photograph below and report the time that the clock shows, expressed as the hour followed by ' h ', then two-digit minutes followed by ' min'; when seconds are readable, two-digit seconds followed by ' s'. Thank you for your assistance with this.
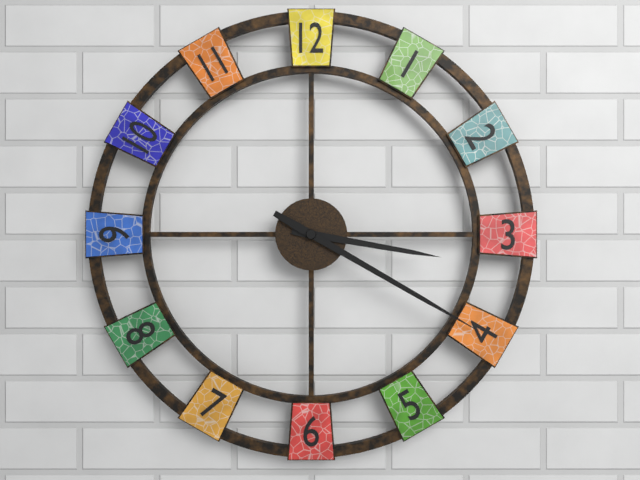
3 h 20 min
